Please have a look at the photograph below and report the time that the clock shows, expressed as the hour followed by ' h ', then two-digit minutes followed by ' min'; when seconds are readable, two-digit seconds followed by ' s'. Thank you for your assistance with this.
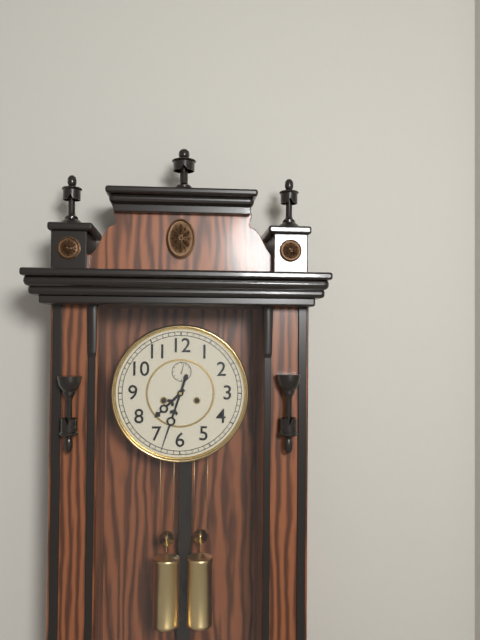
7 h 33 min
